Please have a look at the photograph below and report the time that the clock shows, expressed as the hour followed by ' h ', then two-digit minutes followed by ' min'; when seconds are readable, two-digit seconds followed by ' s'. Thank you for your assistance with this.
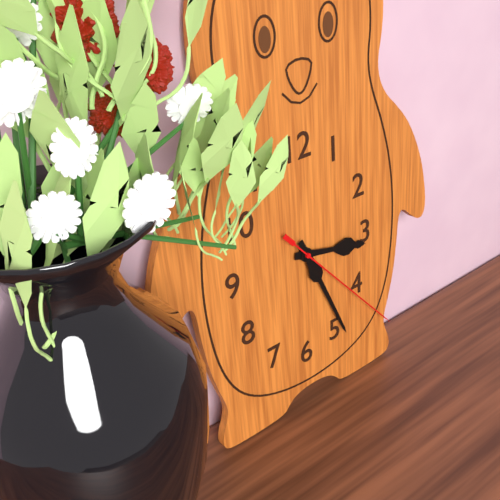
3 h 26 min 23 s
